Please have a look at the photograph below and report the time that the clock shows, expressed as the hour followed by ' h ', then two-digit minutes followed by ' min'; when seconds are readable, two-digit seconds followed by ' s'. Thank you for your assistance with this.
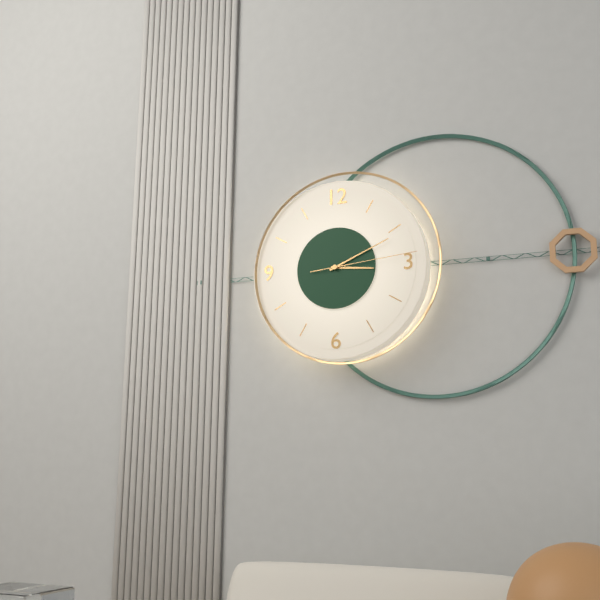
3 h 11 min 14 s
